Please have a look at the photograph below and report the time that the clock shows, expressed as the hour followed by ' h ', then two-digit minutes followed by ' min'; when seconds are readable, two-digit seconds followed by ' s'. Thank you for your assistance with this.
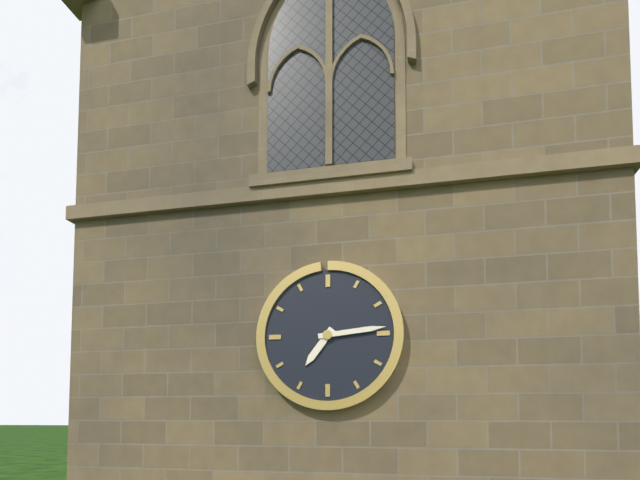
7 h 14 min
